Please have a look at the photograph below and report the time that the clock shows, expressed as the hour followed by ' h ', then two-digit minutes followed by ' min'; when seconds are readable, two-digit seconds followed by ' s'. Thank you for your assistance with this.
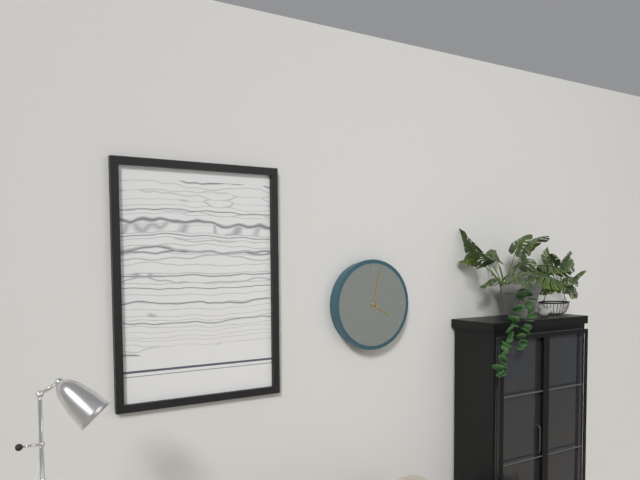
4 h 02 min
